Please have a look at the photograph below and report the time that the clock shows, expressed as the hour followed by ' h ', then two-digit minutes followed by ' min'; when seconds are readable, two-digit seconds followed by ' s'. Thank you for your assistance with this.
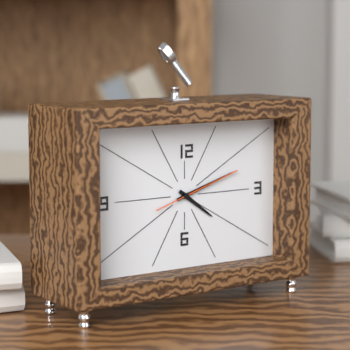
4 h 12 min 12 s
